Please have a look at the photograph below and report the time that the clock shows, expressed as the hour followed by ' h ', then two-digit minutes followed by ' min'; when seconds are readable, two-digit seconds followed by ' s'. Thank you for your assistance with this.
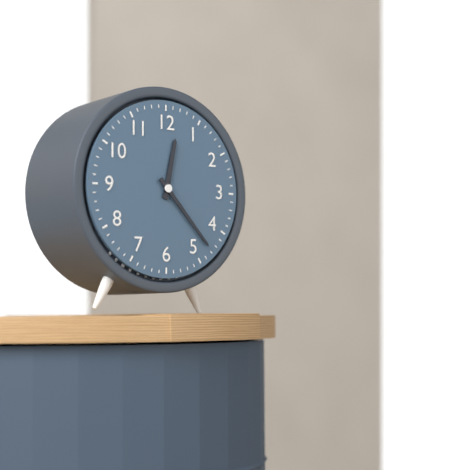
12 h 23 min
